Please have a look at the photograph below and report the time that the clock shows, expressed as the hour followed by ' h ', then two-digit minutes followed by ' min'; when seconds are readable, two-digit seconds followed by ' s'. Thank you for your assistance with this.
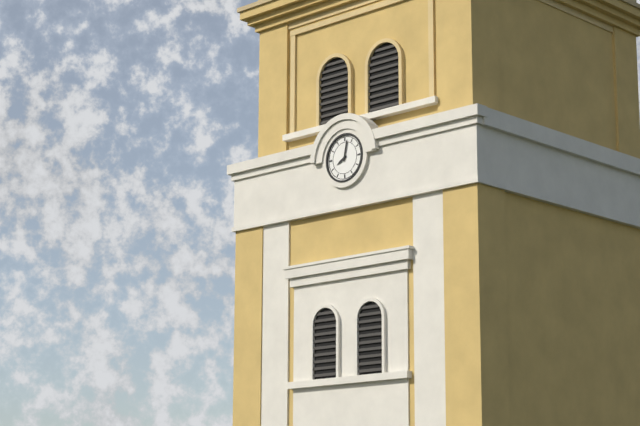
8 h 02 min
